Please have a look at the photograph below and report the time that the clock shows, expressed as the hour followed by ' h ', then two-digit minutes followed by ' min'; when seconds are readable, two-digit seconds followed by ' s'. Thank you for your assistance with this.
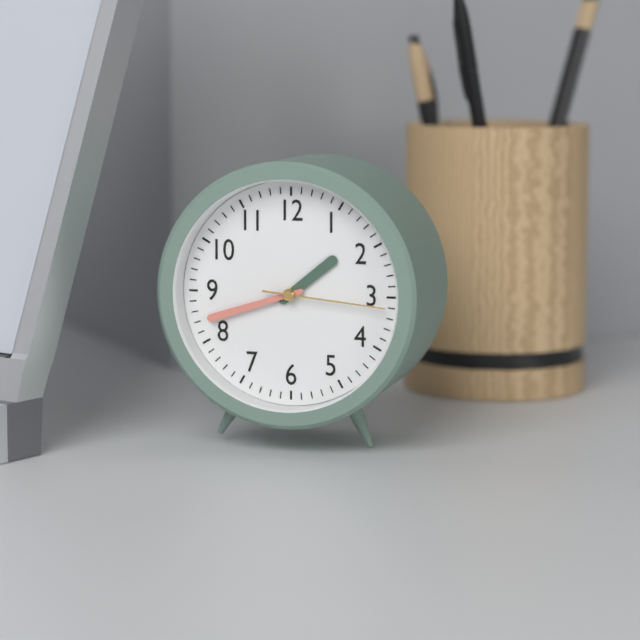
1 h 42 min 16 s
